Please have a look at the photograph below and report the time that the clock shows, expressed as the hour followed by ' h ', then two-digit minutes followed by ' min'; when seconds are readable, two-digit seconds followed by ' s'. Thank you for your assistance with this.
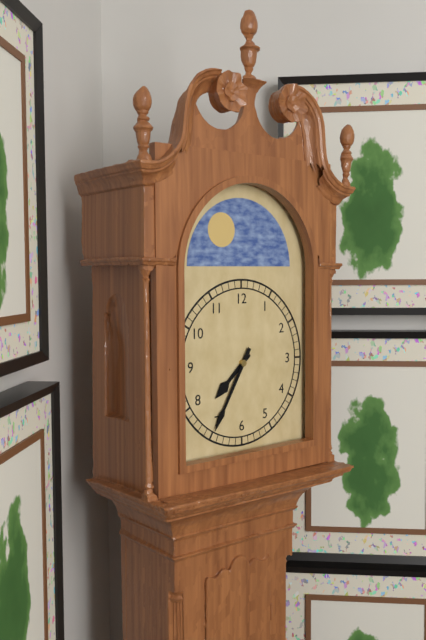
7 h 35 min
